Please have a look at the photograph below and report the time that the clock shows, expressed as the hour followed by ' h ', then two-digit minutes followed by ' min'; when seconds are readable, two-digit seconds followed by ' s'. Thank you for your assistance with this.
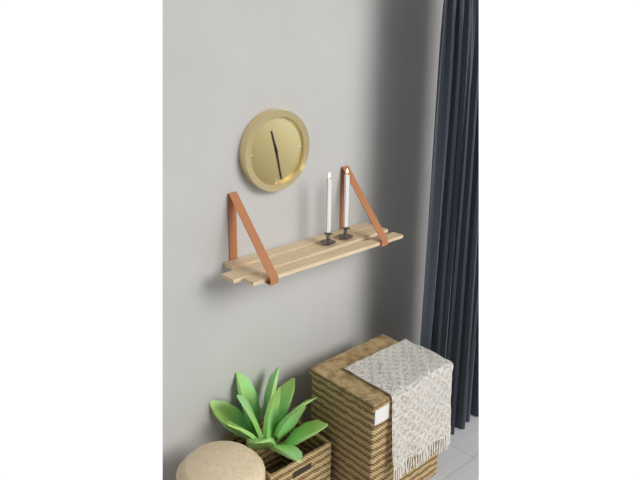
11 h 28 min
